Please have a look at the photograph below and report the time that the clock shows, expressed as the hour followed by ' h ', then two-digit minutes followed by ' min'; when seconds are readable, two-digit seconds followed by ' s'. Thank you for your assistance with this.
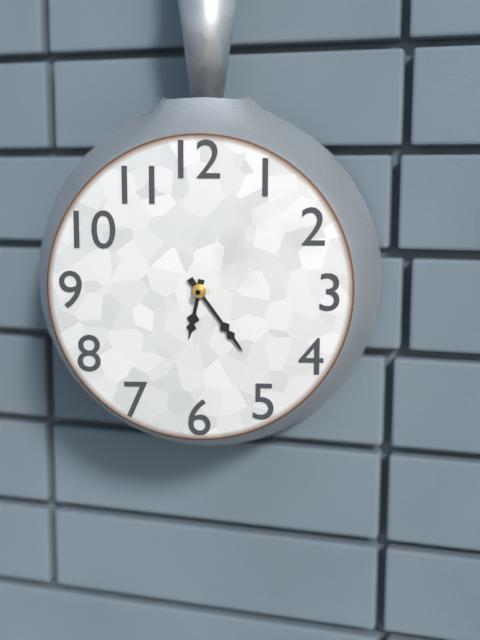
6 h 24 min
